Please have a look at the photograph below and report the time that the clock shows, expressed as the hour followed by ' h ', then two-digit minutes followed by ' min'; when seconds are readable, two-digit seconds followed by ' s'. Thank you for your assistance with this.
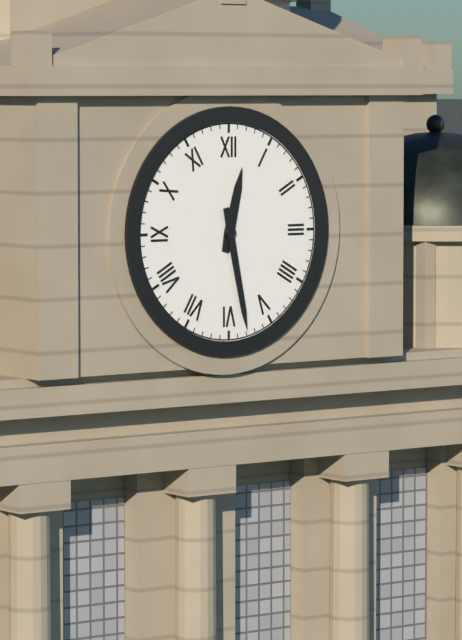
12 h 28 min
